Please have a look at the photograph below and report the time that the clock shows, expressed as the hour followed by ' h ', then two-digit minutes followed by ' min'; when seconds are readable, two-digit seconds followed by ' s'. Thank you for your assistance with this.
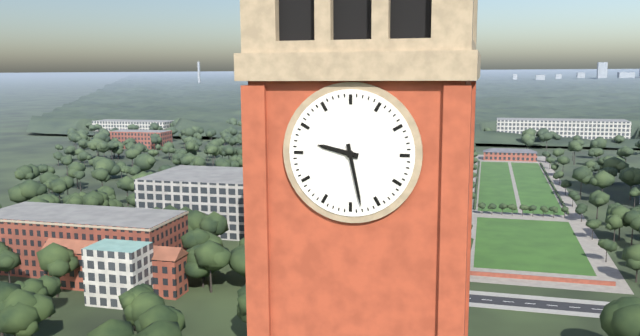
9 h 28 min
